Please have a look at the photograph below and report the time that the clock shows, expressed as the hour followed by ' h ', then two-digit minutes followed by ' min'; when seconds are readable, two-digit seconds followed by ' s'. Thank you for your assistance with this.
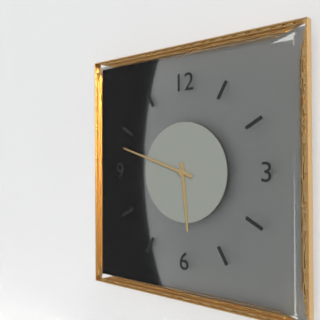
5 h 48 min
